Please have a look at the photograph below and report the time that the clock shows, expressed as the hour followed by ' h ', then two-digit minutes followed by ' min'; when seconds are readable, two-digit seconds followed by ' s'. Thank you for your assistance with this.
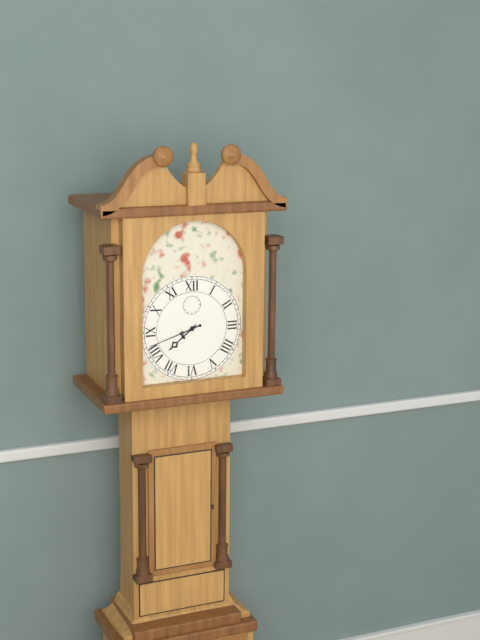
7 h 42 min
